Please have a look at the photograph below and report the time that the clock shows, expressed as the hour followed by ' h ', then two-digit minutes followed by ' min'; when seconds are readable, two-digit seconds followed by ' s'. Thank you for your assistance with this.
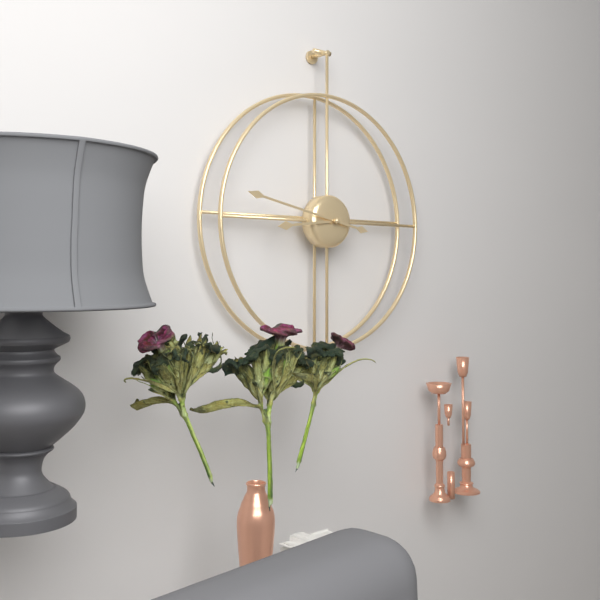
8 h 47 min
